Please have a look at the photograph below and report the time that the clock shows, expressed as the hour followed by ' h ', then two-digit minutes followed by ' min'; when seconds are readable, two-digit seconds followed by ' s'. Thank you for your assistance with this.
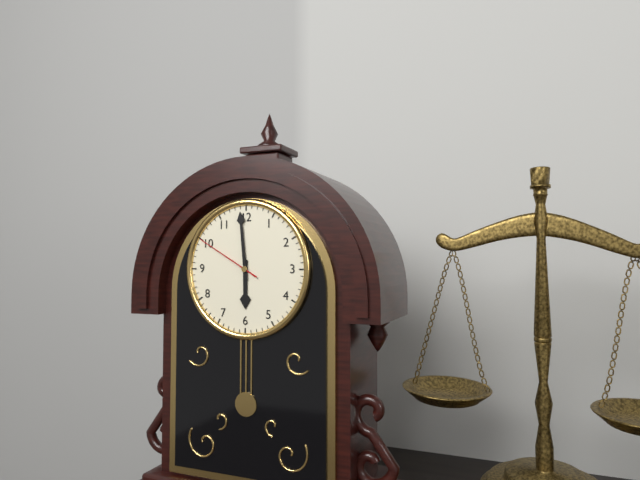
5 h 59 min 50 s
